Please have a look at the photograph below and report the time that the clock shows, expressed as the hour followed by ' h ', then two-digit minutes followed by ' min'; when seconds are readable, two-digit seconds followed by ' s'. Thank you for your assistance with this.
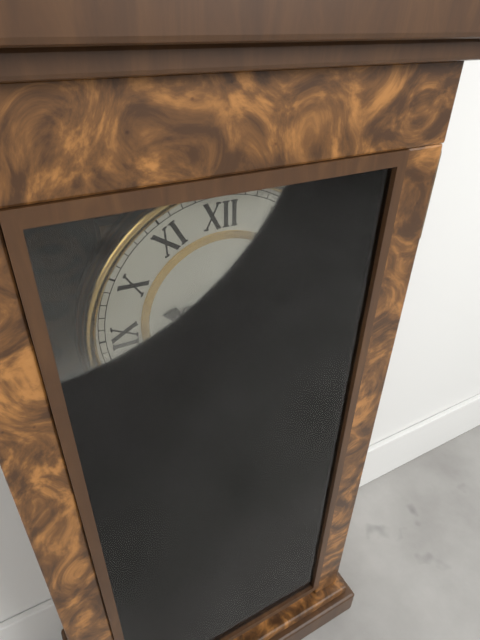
9 h 23 min
